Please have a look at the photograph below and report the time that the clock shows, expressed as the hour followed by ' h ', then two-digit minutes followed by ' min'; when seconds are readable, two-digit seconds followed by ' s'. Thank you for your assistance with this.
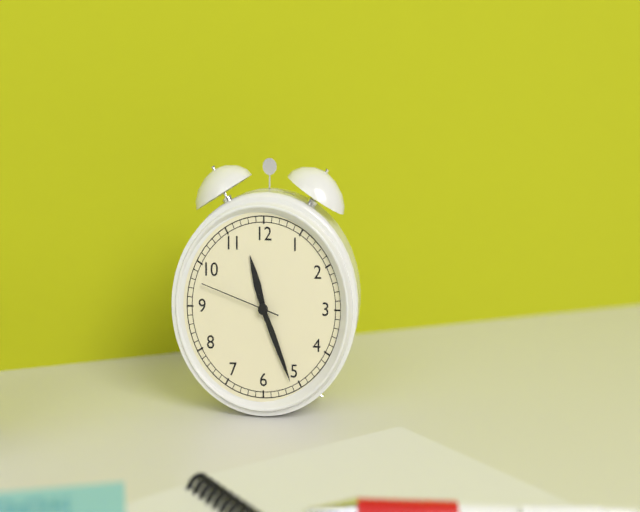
11 h 26 min 48 s
